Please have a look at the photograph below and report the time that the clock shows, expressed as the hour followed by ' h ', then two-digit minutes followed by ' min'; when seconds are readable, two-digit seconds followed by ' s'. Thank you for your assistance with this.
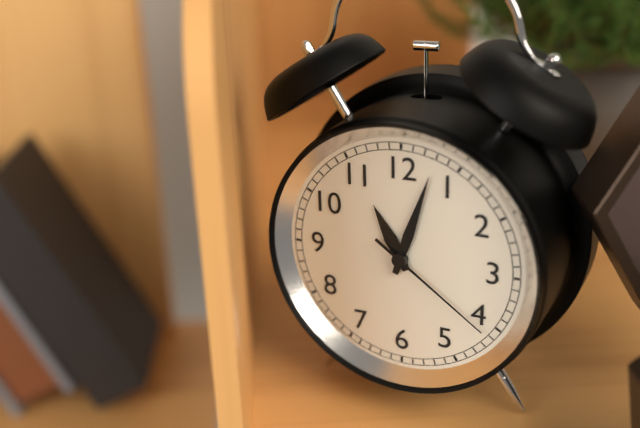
11 h 03 min 21 s
